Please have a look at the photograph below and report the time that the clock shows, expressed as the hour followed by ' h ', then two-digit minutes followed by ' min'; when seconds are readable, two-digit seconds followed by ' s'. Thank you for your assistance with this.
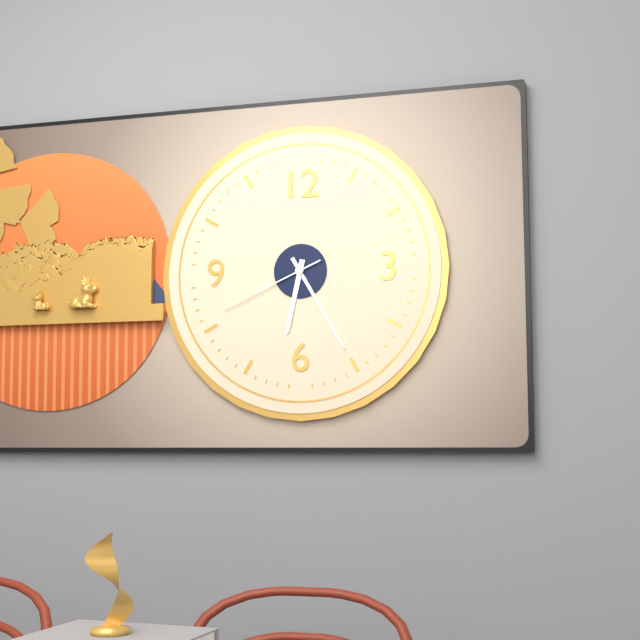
6 h 25 min 41 s
